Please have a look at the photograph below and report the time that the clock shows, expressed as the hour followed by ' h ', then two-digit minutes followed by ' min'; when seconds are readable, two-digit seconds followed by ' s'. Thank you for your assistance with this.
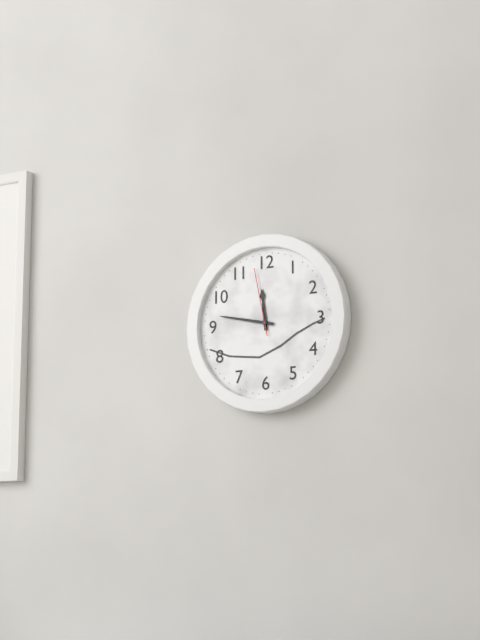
11 h 47 min 58 s
